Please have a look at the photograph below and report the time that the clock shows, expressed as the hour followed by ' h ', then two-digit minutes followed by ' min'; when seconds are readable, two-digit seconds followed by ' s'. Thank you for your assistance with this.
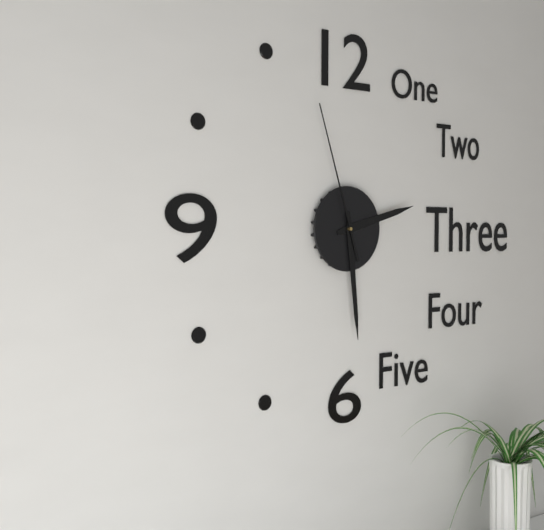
2 h 29 min 57 s
